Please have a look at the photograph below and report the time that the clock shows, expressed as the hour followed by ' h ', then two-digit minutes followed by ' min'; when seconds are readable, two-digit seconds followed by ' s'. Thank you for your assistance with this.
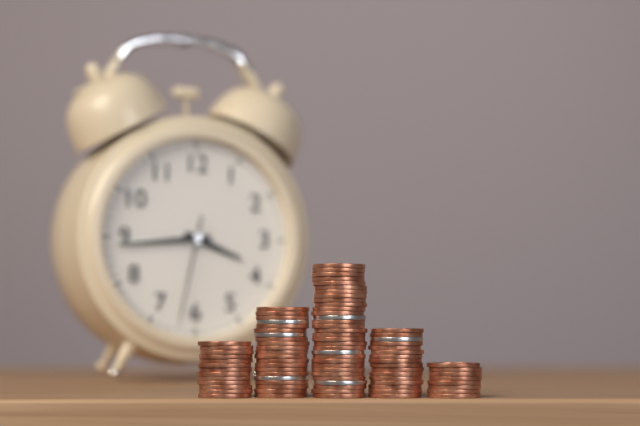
3 h 44 min 32 s
